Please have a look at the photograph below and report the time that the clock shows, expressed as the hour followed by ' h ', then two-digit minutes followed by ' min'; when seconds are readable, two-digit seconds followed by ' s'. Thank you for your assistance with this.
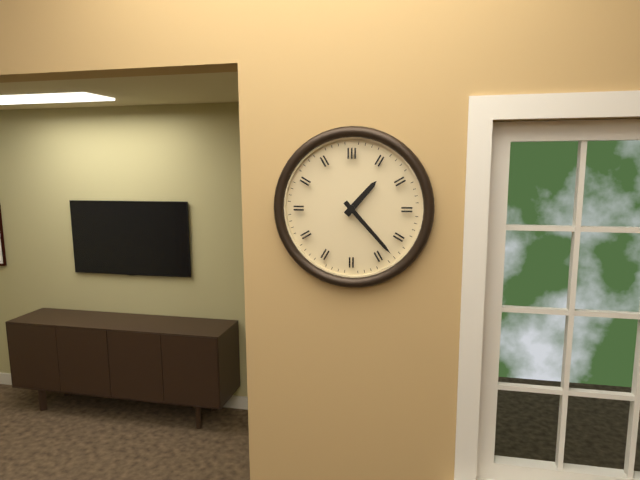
1 h 23 min
